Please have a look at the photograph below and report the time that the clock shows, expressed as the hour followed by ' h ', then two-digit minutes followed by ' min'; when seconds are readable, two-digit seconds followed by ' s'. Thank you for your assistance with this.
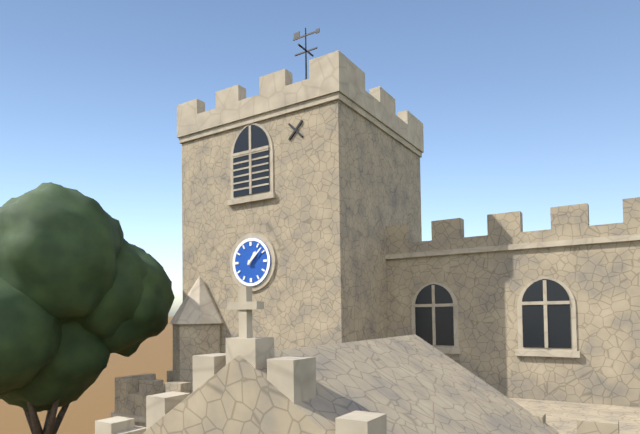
1 h 08 min
